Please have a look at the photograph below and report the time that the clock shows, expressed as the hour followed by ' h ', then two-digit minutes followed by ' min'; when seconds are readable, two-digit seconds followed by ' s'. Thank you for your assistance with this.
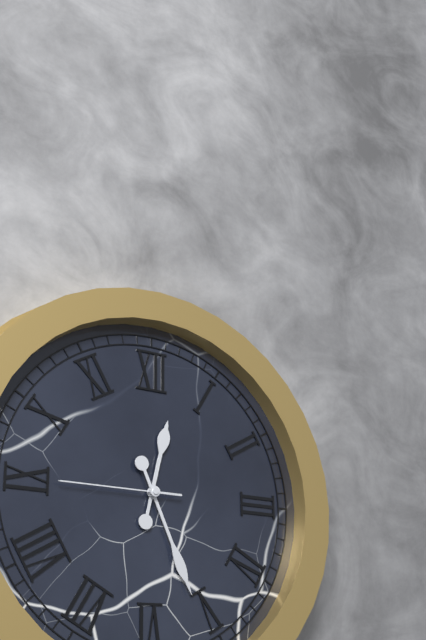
12 h 26 min 45 s
